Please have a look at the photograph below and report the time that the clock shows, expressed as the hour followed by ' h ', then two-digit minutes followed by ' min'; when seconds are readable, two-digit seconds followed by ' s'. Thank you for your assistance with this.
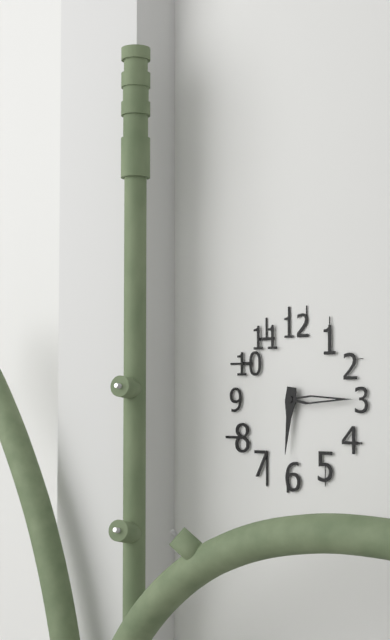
6 h 15 min
